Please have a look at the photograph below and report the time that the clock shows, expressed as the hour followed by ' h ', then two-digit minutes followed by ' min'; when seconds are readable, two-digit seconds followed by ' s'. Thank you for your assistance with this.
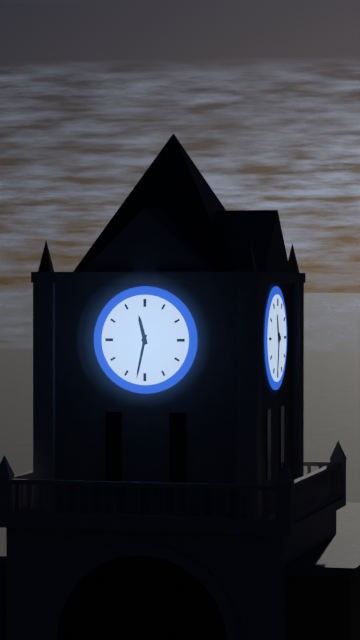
11 h 32 min
